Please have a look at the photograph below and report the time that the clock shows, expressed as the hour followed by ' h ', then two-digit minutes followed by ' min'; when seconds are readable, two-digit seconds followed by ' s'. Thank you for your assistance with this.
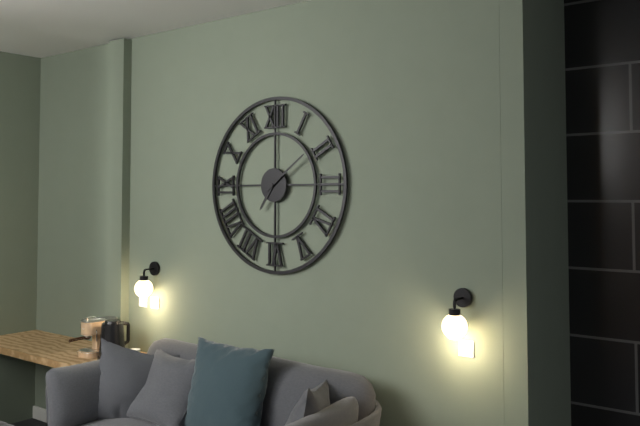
7 h 09 min
